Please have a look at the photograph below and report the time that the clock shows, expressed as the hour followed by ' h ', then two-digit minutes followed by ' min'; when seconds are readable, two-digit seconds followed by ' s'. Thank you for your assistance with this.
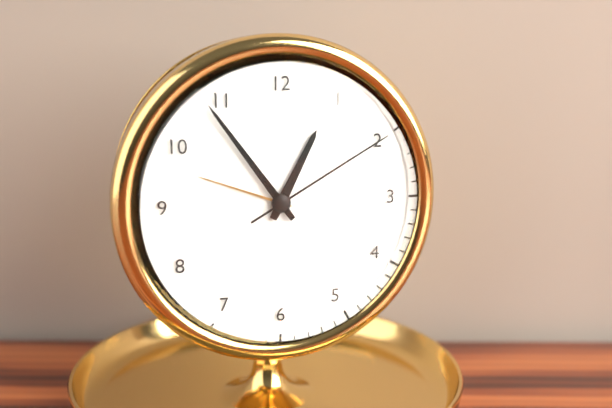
12 h 54 min 10 s
